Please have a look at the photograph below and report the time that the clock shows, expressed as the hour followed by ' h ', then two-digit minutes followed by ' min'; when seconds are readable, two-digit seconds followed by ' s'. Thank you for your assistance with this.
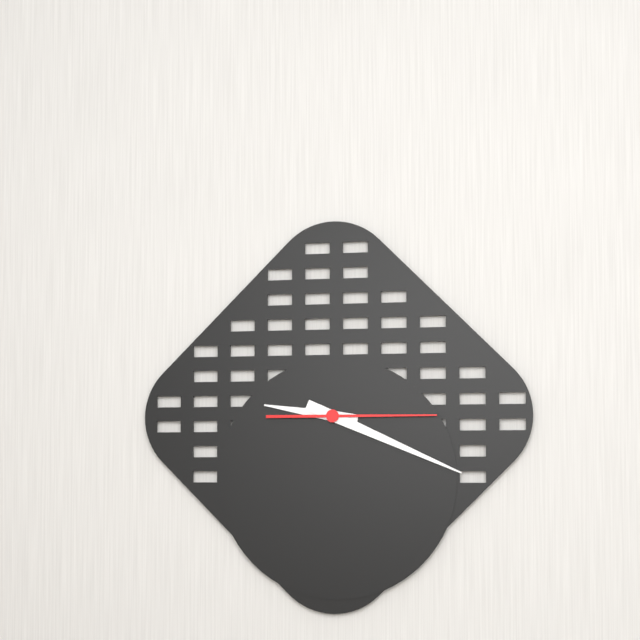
9 h 19 min 15 s
